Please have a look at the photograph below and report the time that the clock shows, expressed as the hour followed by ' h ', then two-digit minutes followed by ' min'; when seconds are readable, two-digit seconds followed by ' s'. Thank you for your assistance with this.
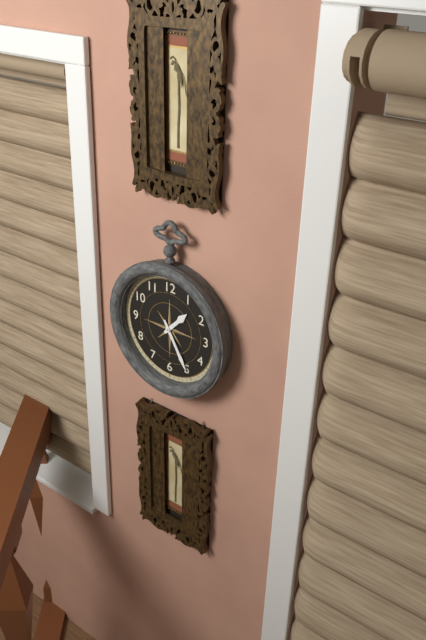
1 h 25 min
